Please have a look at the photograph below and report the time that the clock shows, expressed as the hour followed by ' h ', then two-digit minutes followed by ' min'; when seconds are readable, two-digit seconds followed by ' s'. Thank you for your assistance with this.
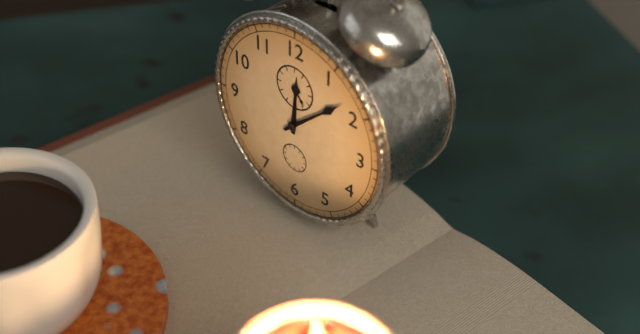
12 h 08 min
